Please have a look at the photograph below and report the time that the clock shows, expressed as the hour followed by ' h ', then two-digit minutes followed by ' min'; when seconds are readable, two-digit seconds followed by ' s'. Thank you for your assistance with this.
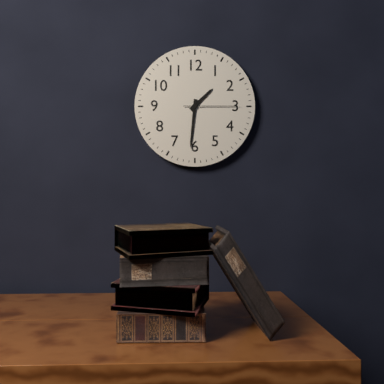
1 h 31 min 15 s
